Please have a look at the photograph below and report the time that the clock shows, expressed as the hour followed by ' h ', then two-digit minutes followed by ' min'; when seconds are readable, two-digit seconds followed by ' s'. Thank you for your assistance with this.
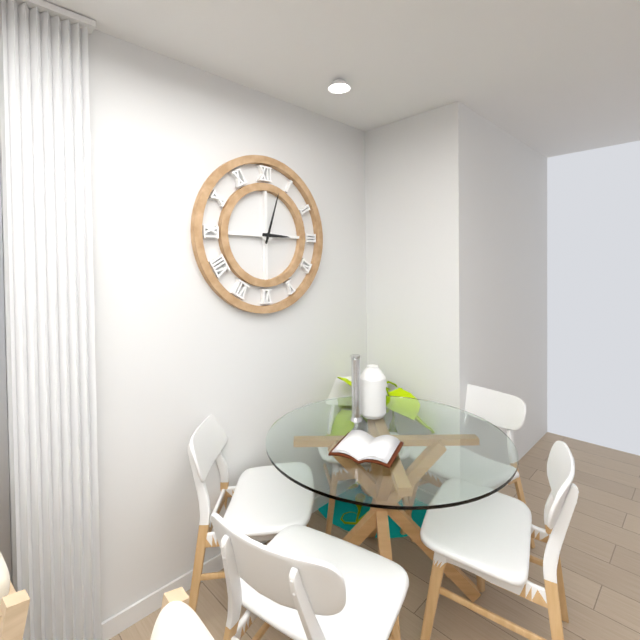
3 h 03 min
